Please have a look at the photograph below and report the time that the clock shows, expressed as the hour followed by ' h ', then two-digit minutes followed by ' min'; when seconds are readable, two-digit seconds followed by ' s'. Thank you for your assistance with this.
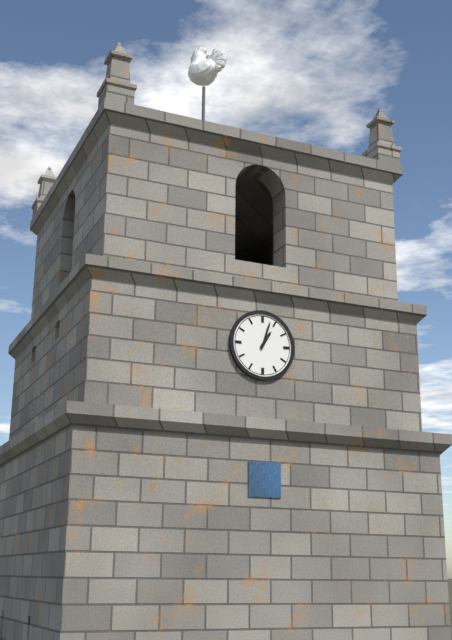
1 h 03 min
